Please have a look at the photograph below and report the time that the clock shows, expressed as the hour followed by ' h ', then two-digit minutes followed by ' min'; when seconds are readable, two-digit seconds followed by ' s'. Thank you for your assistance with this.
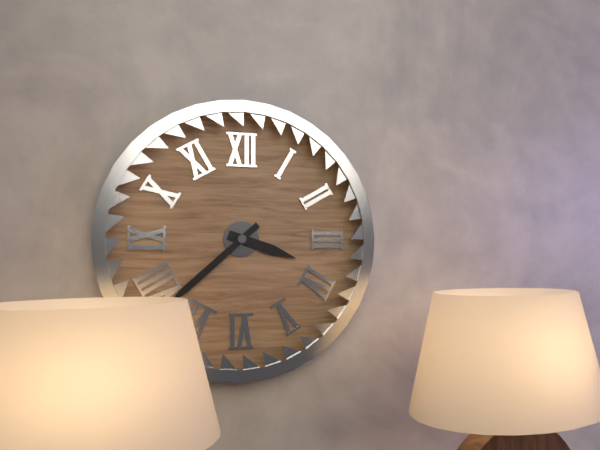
3 h 38 min
